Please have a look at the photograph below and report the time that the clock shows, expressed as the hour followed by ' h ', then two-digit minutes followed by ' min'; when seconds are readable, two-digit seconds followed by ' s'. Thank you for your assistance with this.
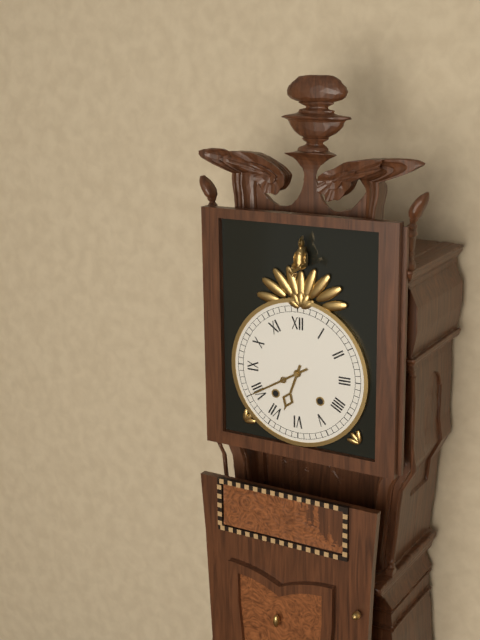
6 h 40 min
